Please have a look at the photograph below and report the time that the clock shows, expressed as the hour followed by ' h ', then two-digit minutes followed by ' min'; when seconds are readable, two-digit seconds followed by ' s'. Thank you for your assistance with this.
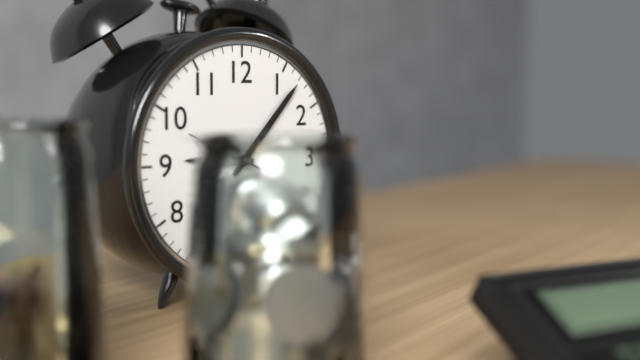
9 h 07 min 49 s
